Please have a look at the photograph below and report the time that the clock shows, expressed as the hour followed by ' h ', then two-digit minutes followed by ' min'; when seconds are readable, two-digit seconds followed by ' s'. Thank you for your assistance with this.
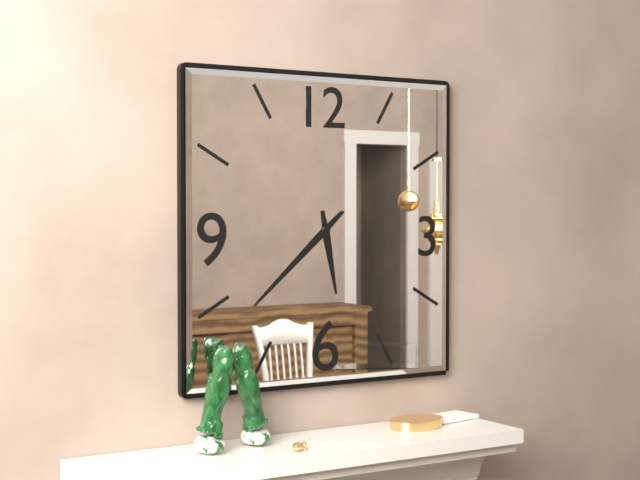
5 h 38 min
